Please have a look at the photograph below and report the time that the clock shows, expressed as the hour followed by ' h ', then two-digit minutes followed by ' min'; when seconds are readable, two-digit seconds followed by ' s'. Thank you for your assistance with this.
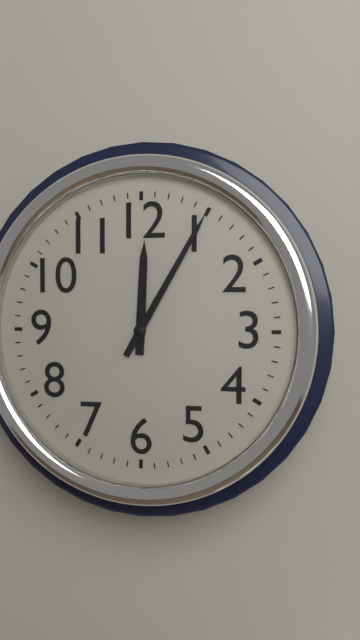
12 h 05 min
